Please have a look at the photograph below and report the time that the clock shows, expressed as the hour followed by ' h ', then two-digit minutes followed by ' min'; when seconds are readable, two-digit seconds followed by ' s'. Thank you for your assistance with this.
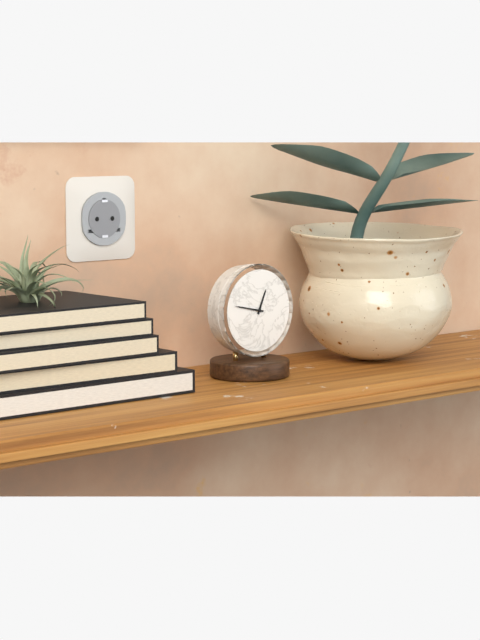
12 h 47 min
